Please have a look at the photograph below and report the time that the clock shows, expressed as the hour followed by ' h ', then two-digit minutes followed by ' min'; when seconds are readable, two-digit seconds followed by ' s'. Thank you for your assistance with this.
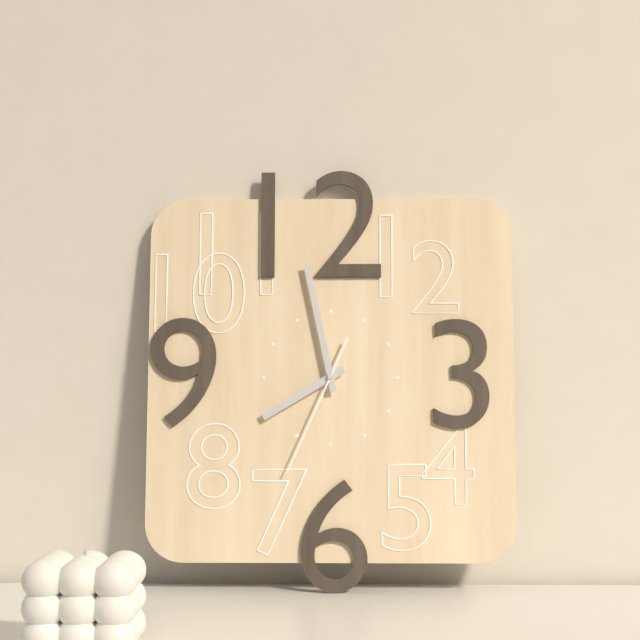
7 h 58 min 34 s
